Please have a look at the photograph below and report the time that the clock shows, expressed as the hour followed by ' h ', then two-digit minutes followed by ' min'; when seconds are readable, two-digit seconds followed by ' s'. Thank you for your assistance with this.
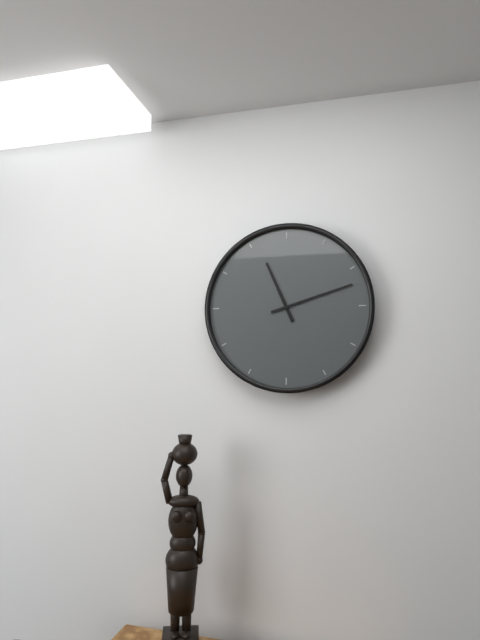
11 h 12 min
